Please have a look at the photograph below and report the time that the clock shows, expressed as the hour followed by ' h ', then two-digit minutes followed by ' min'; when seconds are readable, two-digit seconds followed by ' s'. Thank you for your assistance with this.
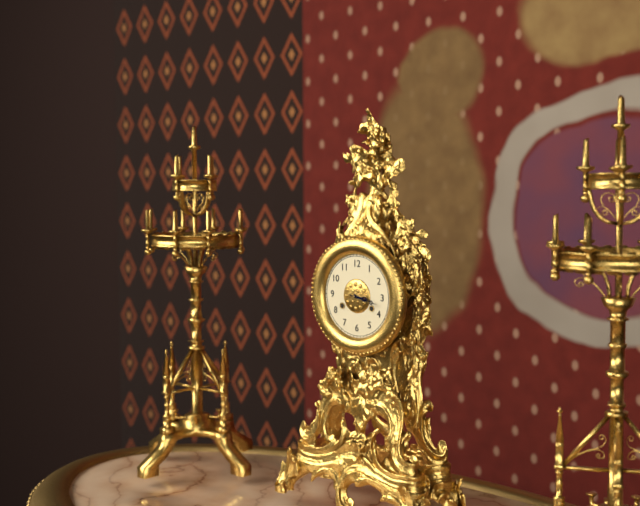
3 h 17 min
